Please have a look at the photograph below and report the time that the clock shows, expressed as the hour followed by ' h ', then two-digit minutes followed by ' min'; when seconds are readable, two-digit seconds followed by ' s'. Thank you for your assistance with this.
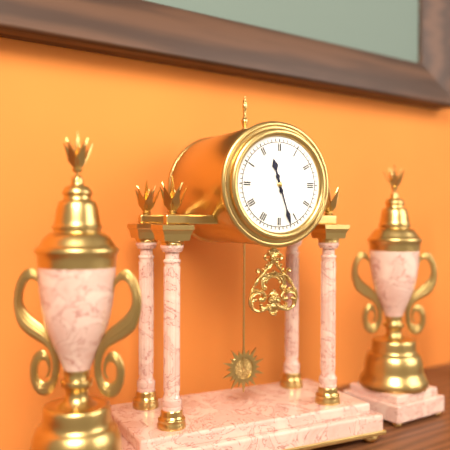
11 h 27 min
